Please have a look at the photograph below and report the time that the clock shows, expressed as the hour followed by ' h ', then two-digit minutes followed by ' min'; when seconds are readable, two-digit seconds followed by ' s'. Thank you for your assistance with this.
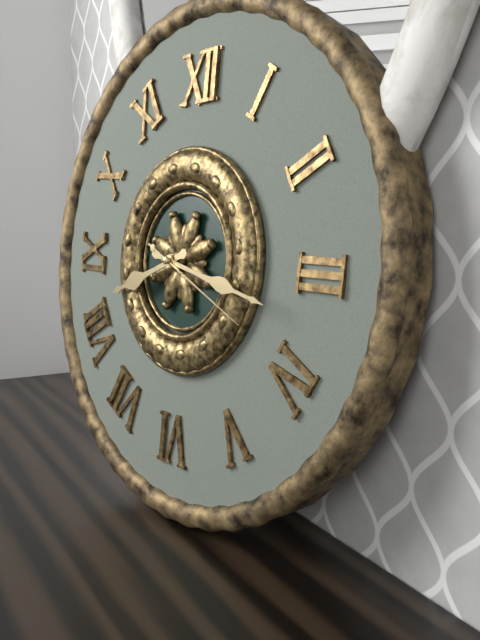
8 h 17 min 19 s
